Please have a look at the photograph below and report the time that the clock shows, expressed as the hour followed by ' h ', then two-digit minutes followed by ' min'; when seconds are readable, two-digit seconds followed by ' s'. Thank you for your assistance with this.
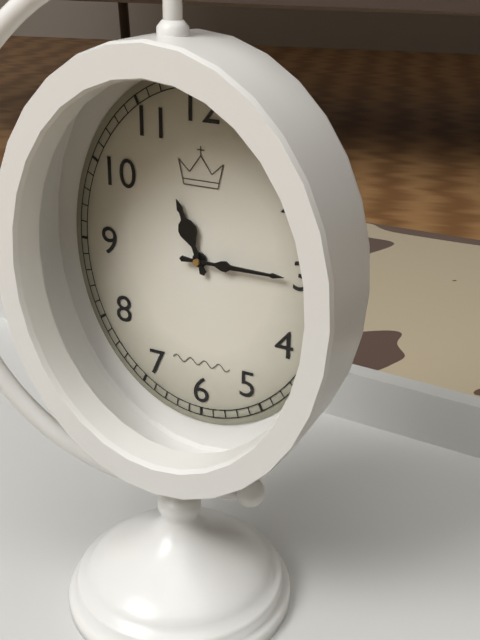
11 h 15 min
